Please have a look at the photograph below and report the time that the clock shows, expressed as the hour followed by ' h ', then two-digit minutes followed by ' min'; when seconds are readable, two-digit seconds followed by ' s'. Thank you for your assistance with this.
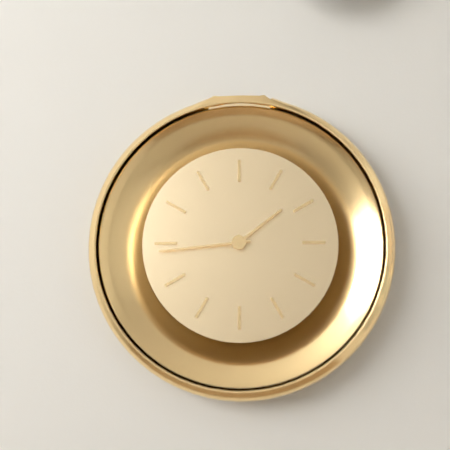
1 h 44 min
